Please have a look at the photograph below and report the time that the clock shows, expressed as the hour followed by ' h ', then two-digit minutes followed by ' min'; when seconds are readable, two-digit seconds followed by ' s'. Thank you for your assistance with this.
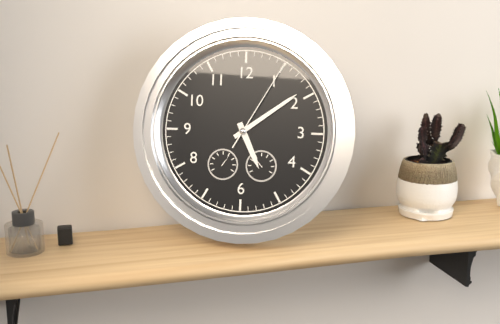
5 h 09 min 05 s
